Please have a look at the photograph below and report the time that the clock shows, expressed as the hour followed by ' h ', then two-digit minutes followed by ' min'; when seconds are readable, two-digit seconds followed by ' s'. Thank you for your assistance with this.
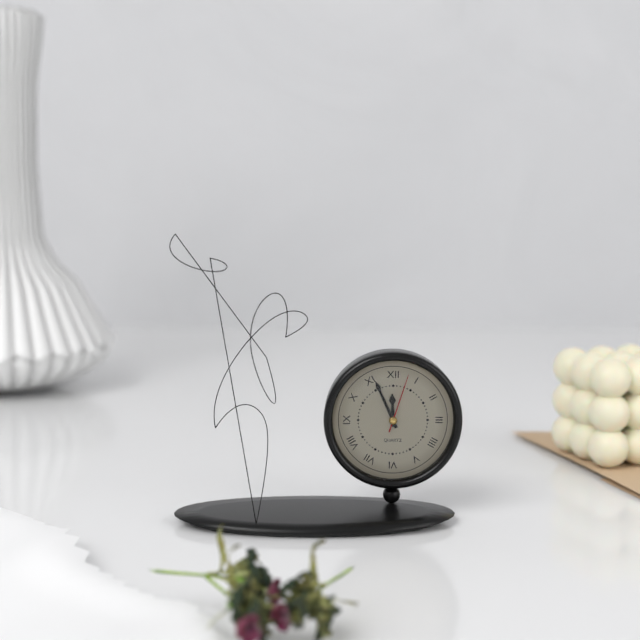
11 h 56 min 03 s
